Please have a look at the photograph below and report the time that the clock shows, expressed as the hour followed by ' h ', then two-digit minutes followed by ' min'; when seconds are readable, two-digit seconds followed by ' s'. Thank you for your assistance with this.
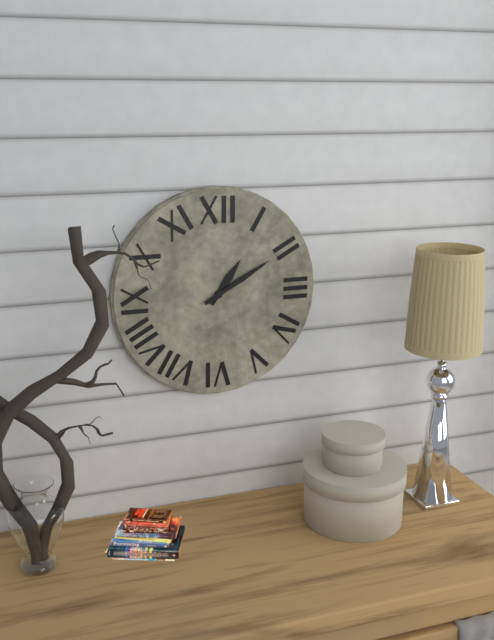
1 h 10 min
